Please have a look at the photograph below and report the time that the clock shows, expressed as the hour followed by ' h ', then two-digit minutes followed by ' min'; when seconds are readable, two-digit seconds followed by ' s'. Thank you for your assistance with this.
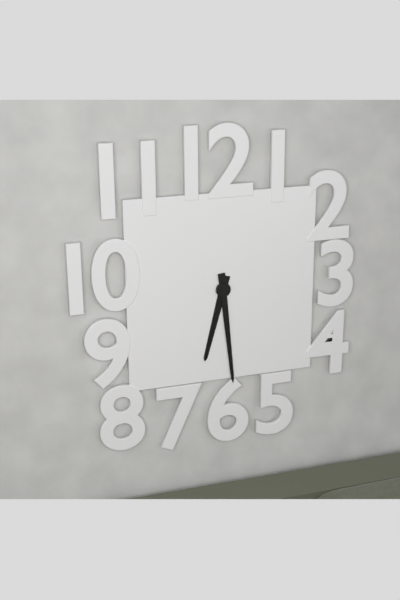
6 h 29 min
